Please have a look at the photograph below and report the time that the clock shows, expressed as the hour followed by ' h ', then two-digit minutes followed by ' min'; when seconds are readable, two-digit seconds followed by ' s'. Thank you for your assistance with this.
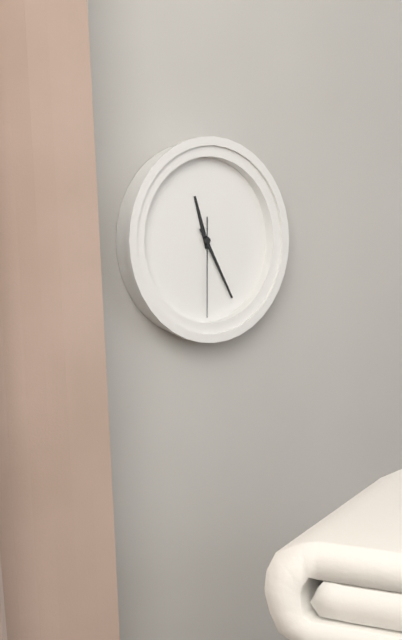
11 h 25 min 30 s
